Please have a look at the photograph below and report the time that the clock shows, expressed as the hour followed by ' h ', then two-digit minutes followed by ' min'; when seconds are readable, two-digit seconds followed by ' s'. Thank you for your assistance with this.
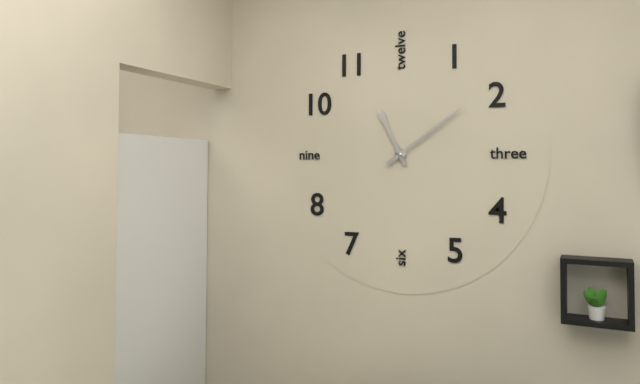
11 h 09 min
